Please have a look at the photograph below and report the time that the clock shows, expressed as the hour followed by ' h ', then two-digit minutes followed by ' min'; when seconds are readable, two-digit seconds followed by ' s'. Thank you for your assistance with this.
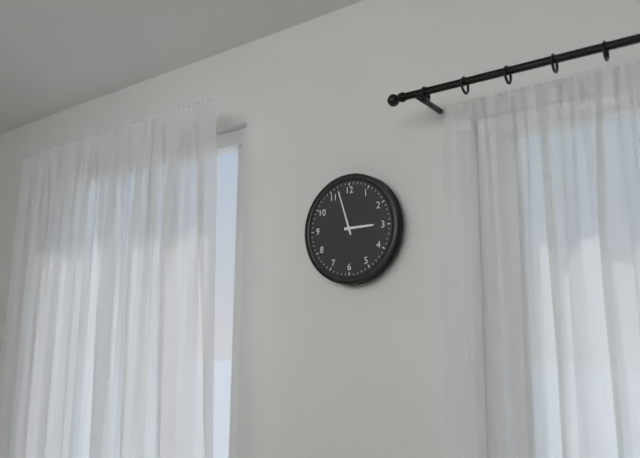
2 h 57 min
